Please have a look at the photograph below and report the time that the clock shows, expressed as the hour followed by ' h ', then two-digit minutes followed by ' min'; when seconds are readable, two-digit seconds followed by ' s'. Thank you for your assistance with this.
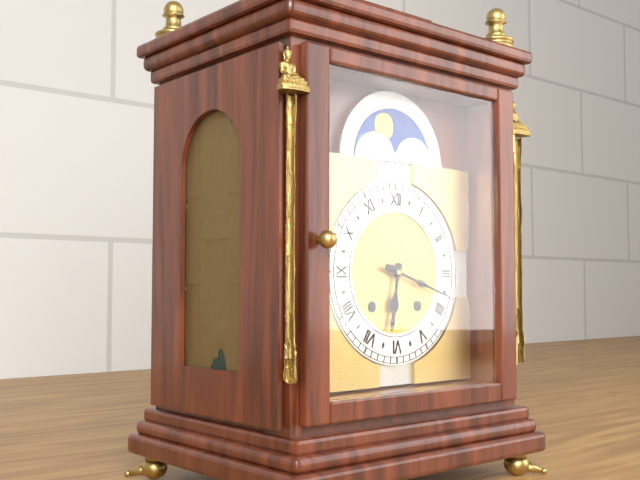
6 h 18 min
